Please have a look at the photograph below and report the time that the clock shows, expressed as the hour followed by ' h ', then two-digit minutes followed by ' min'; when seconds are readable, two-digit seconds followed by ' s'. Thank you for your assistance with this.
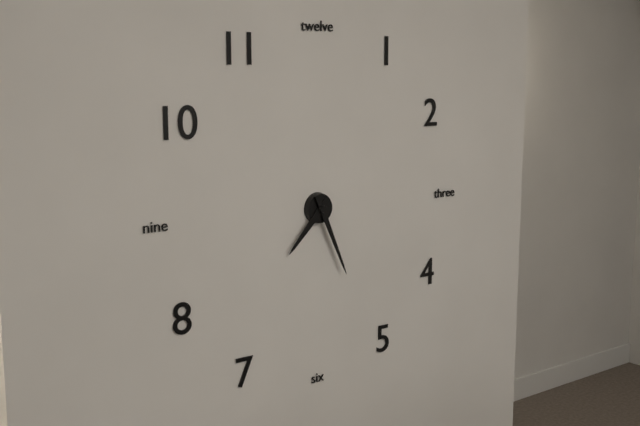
7 h 26 min
